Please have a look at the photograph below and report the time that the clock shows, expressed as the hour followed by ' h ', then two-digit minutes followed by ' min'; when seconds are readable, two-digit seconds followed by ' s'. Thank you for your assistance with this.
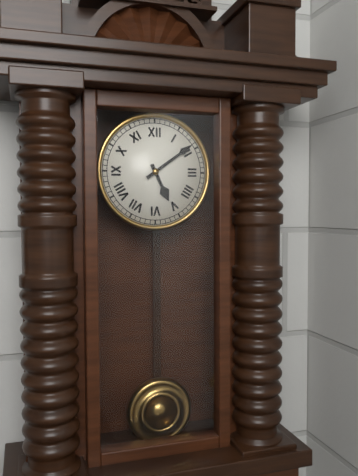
5 h 09 min
